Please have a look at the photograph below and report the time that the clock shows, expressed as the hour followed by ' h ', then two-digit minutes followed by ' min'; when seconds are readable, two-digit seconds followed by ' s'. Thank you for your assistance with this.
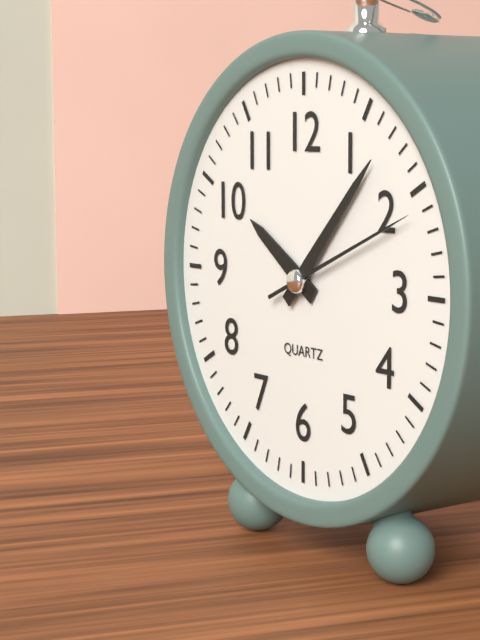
10 h 07 min 11 s
